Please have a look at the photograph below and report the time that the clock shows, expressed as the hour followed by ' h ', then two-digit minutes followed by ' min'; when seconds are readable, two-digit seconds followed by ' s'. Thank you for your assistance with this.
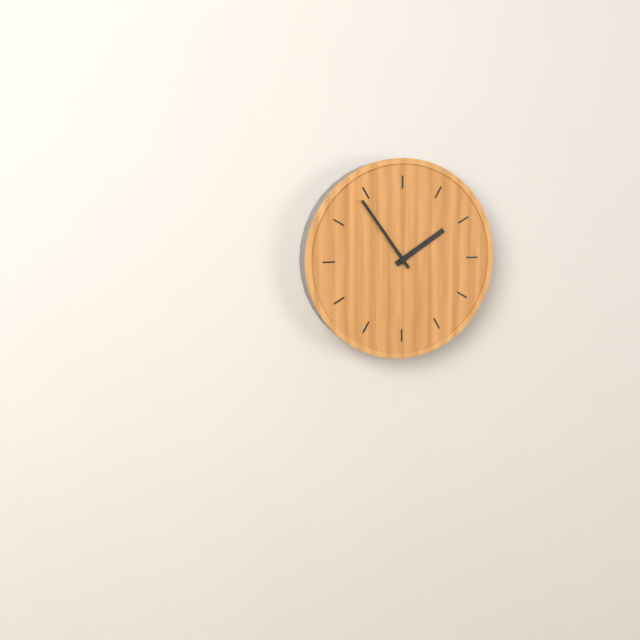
1 h 54 min
